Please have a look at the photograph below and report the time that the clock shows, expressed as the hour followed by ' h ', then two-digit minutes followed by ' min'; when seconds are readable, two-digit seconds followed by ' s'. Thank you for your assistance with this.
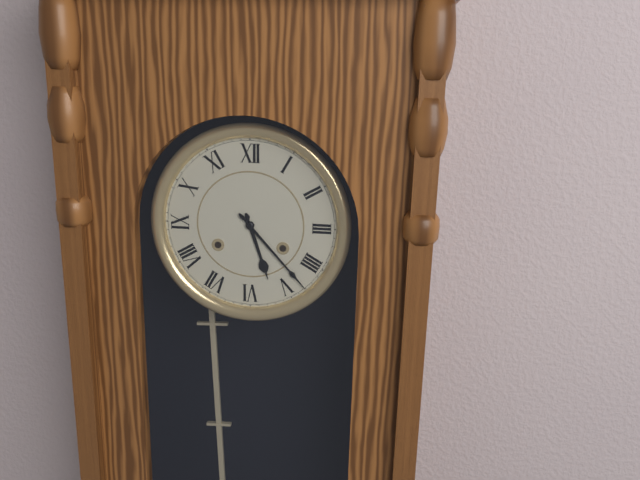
5 h 23 min
